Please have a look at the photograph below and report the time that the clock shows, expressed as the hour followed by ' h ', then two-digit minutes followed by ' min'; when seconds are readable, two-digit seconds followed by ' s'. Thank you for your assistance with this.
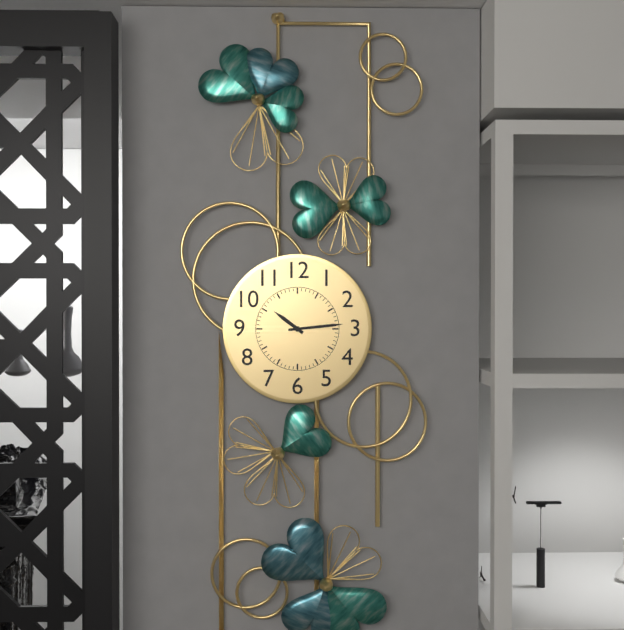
10 h 14 min
